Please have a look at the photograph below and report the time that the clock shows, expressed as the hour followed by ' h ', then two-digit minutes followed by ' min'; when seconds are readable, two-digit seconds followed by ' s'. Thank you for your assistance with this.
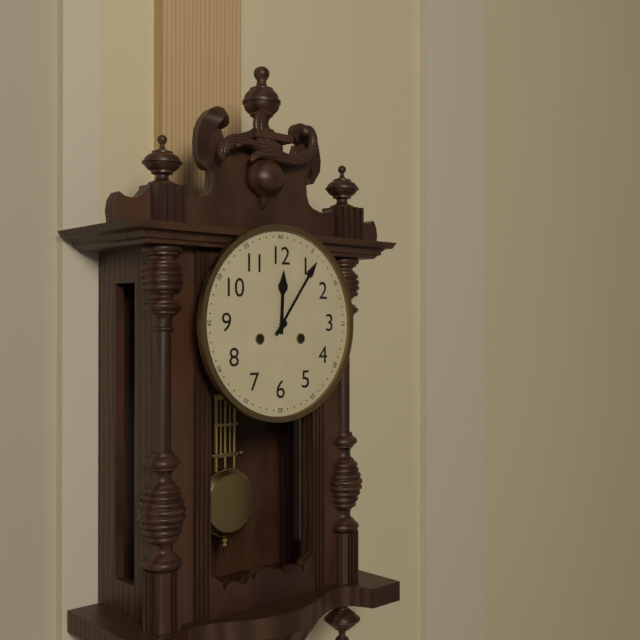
12 h 06 min
